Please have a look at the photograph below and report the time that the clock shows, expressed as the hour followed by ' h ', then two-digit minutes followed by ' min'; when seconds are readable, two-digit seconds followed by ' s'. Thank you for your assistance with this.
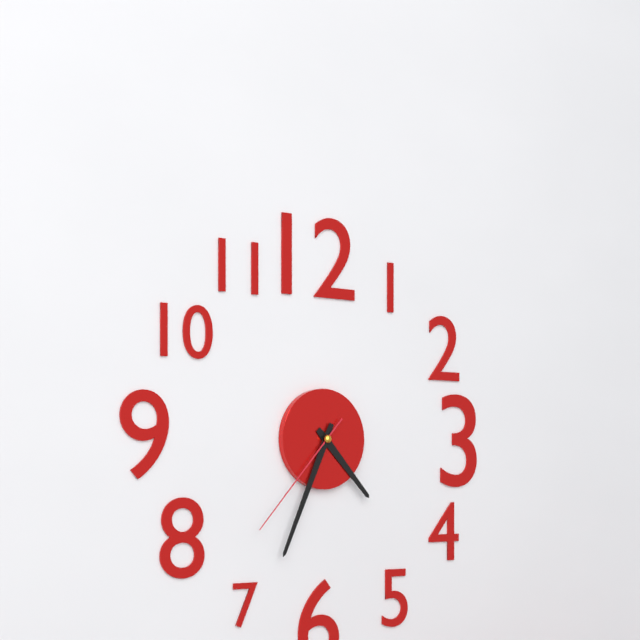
4 h 34 min 37 s
